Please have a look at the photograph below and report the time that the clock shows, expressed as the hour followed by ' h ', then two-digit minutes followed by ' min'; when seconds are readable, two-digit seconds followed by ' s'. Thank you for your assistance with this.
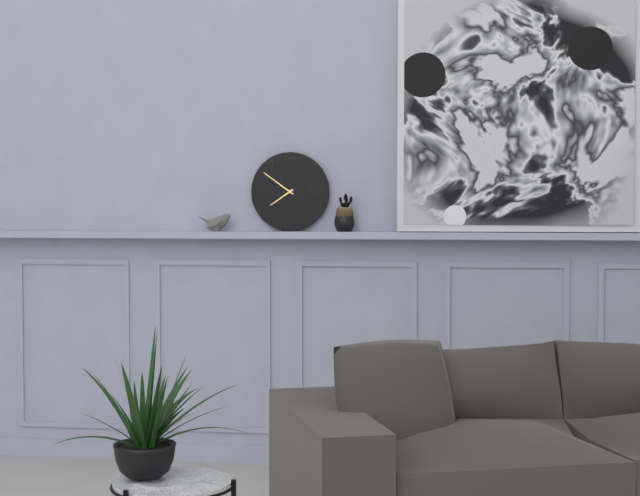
7 h 51 min
